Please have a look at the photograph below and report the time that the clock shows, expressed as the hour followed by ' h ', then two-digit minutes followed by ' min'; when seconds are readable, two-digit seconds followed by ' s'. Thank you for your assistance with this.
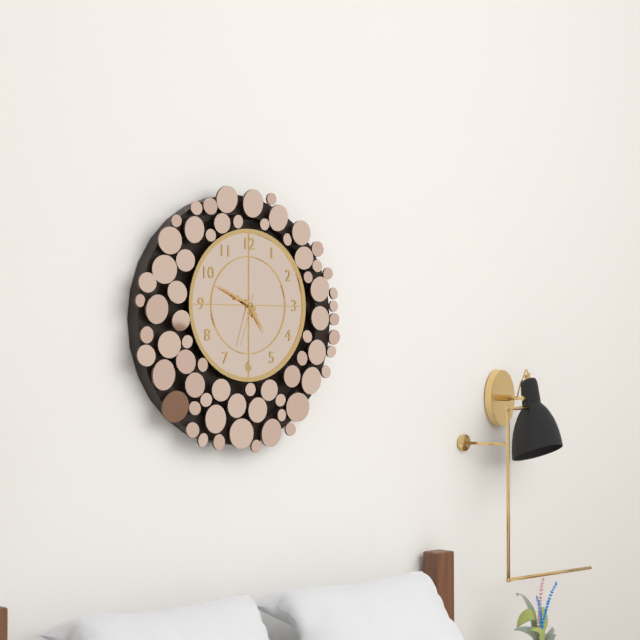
4 h 49 min 33 s
